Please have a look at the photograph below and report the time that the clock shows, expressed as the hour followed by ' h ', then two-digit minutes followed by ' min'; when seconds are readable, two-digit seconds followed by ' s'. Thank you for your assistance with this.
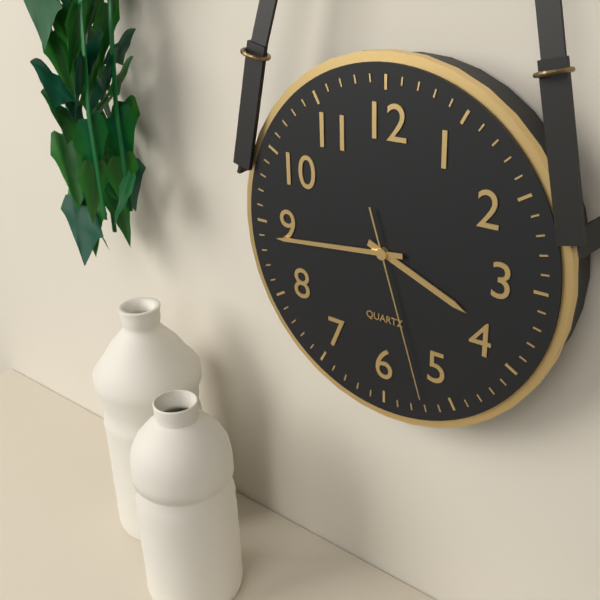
3 h 44 min 27 s
